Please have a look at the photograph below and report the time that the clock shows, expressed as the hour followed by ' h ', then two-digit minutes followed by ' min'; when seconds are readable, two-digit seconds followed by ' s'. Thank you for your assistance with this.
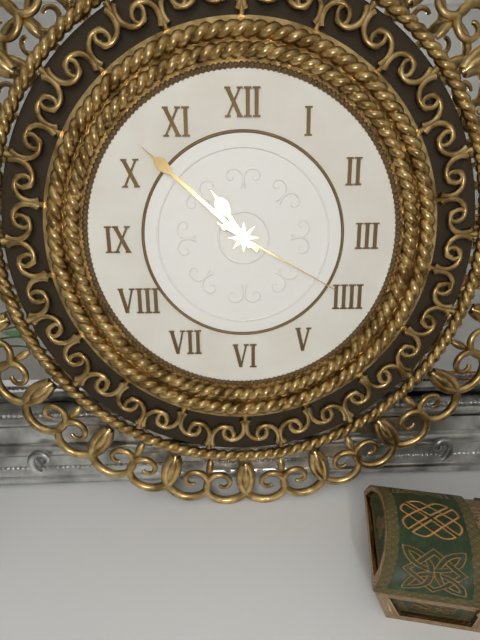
10 h 52 min 20 s
